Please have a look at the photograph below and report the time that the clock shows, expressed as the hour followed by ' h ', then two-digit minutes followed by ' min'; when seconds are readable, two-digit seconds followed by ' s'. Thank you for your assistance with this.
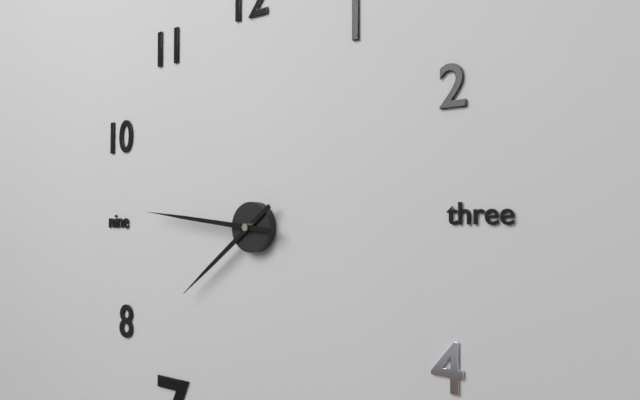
7 h 46 min
